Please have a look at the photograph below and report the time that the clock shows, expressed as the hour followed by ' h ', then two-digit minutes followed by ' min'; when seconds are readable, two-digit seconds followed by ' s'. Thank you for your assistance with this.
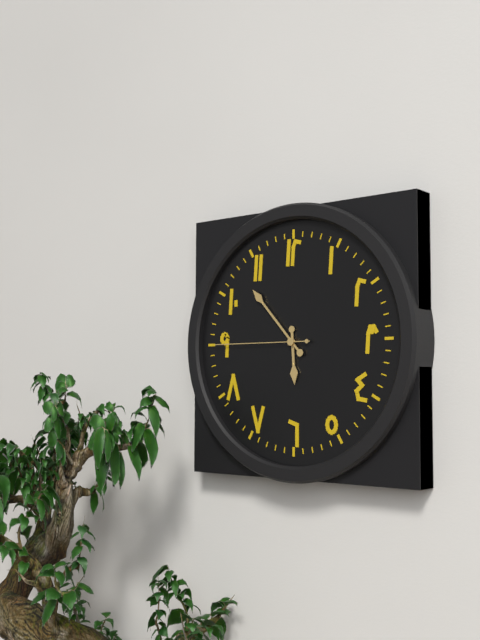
5 h 53 min 45 s
